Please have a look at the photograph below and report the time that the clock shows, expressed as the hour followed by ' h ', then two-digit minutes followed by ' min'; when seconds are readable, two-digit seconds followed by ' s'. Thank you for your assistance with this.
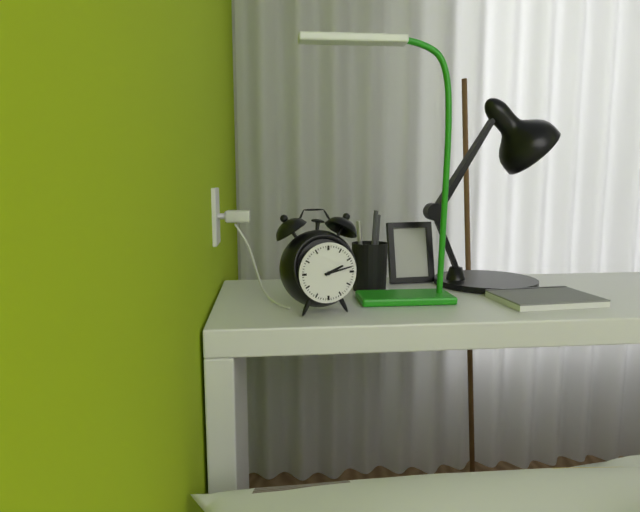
2 h 13 min
